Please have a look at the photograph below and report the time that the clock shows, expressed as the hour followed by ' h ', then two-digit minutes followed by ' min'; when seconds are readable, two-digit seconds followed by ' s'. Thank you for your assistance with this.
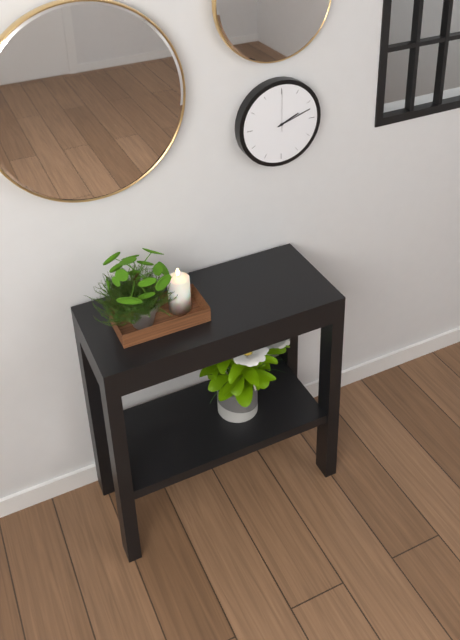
2 h 12 min
